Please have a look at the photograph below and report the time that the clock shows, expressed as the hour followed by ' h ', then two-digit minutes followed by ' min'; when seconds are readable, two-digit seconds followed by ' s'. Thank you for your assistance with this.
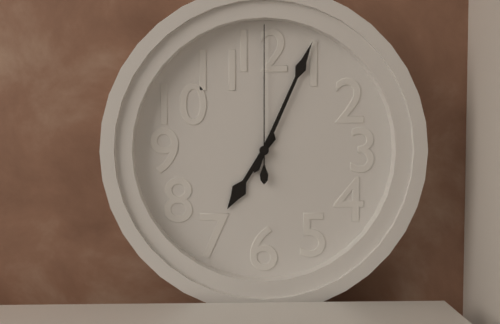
7 h 04 min 00 s
